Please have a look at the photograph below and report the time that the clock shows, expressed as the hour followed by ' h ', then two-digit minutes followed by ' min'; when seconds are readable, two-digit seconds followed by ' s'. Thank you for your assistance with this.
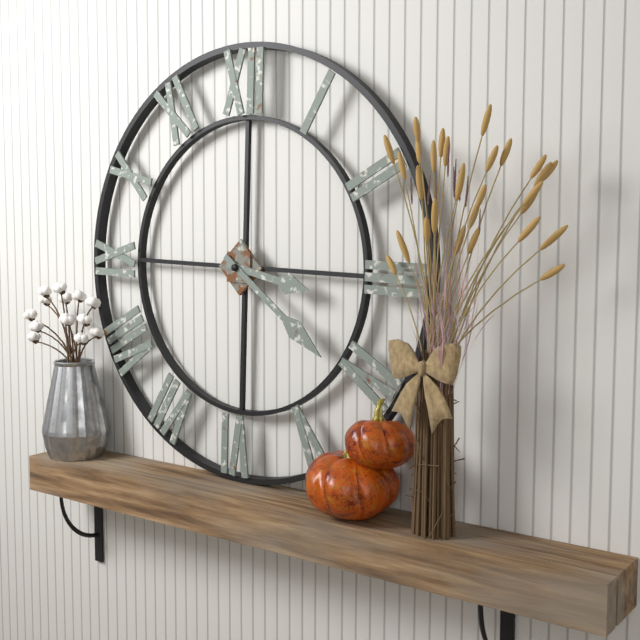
3 h 21 min
